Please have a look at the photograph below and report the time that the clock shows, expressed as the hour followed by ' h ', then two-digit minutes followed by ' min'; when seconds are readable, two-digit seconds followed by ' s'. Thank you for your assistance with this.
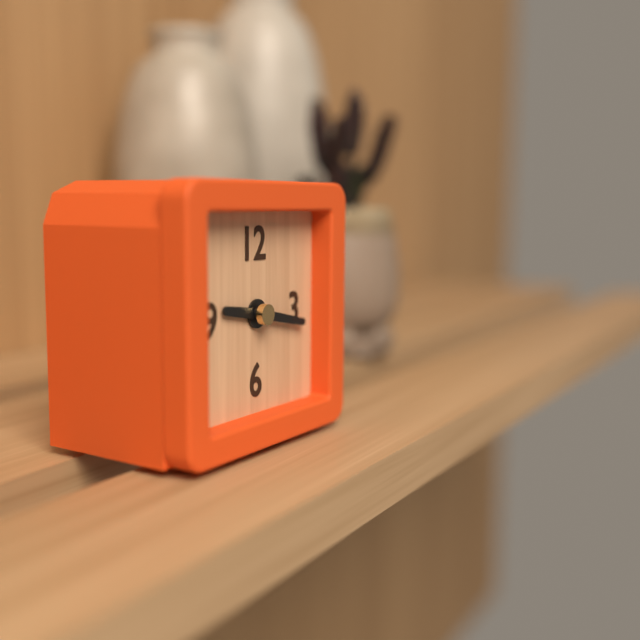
9 h 17 min
